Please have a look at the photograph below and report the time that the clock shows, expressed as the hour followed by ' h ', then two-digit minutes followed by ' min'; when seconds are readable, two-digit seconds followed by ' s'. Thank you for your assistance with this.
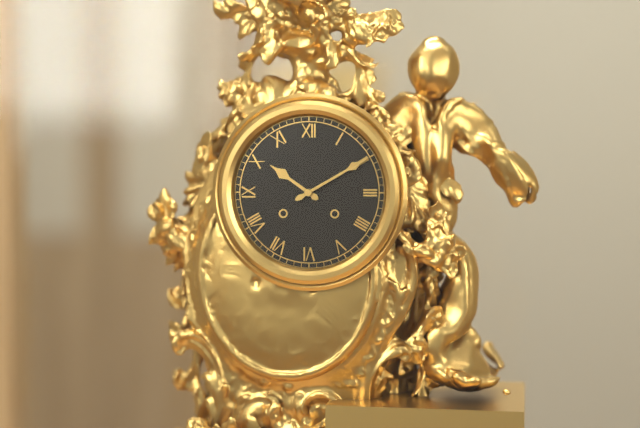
10 h 10 min
